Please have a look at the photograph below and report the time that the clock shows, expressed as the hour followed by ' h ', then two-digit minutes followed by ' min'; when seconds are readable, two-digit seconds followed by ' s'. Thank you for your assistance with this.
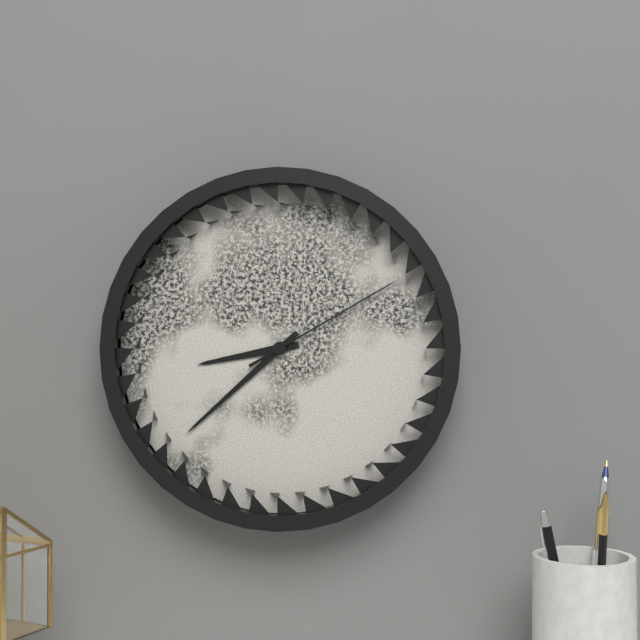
8 h 38 min 10 s
